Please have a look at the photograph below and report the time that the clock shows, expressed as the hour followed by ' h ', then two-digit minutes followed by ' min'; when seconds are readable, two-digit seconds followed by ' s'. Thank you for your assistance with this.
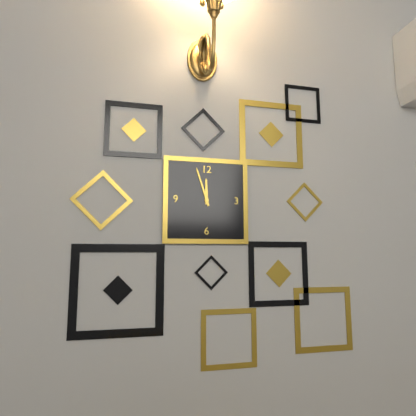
11 h 57 min
